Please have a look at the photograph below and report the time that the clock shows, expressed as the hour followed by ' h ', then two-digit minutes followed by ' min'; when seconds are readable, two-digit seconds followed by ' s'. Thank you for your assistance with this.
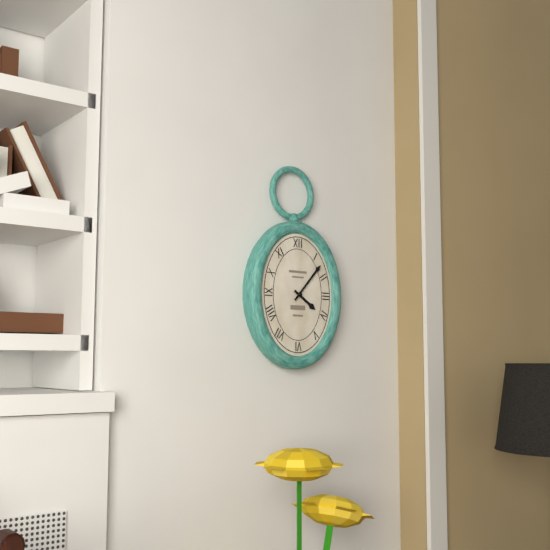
4 h 07 min
